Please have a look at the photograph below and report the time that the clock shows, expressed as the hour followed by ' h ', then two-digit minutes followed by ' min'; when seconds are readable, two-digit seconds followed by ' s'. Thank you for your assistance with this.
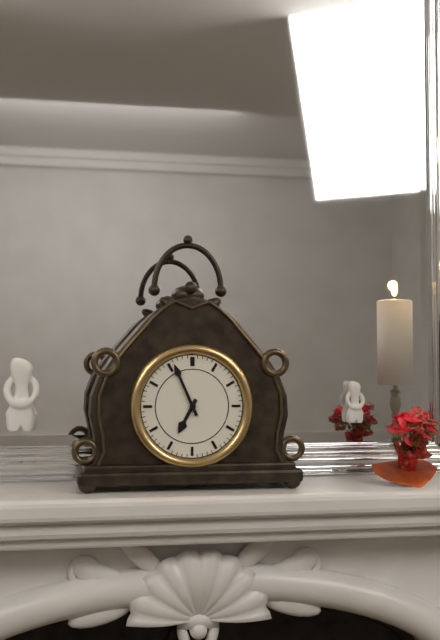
6 h 56 min
